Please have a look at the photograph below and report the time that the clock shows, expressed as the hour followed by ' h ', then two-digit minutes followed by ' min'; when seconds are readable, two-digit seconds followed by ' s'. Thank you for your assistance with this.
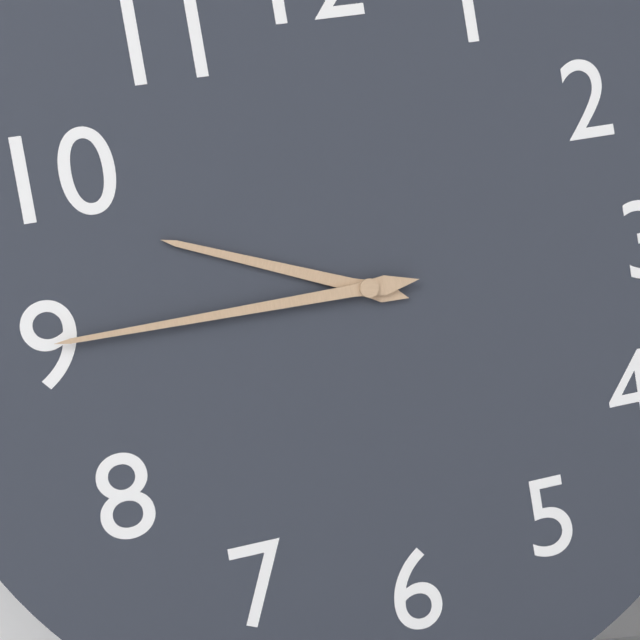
9 h 45 min
